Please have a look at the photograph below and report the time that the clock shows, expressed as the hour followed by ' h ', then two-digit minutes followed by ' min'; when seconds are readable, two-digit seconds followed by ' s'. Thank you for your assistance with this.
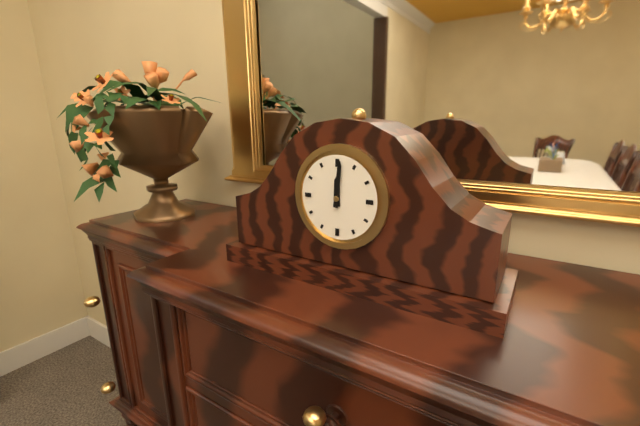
12 h 01 min
